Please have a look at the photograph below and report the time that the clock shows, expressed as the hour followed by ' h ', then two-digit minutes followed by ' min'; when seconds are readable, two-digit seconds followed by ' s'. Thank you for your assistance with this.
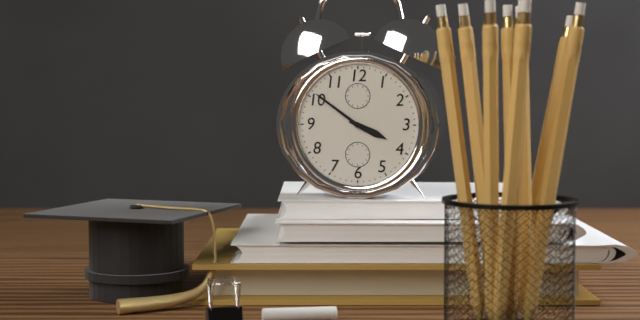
3 h 51 min
